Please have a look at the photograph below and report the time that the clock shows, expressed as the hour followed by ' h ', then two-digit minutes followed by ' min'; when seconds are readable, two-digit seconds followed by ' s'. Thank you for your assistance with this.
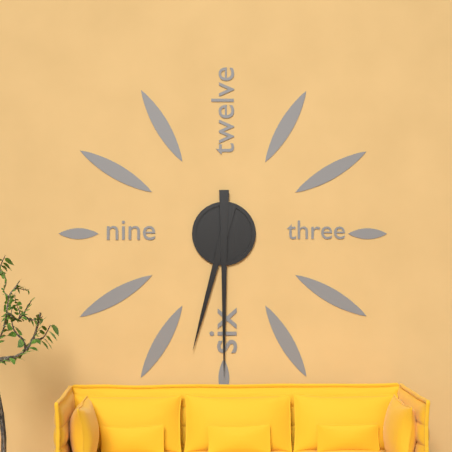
6 h 30 min
